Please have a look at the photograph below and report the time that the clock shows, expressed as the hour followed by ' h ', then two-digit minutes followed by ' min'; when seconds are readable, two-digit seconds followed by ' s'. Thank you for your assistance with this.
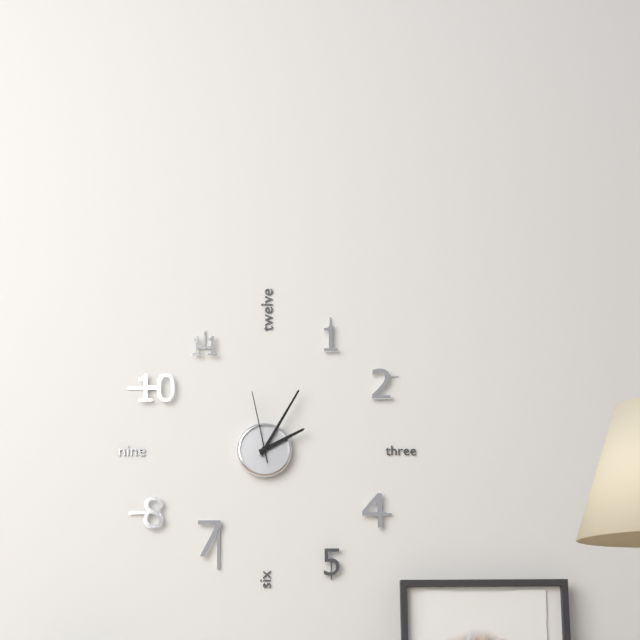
2 h 05 min 58 s
